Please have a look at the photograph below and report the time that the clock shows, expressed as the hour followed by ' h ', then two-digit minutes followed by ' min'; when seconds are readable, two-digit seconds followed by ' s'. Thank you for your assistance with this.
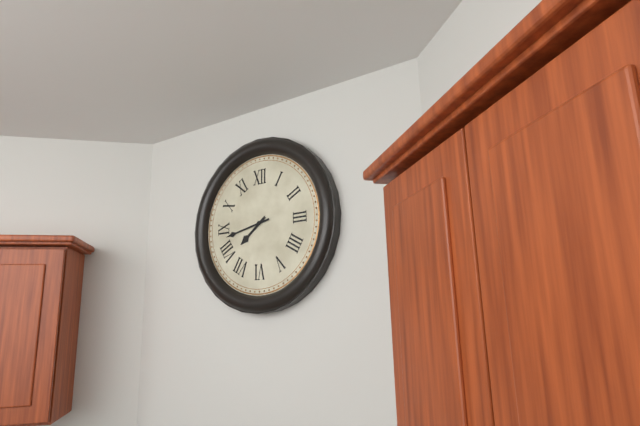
7 h 43 min
